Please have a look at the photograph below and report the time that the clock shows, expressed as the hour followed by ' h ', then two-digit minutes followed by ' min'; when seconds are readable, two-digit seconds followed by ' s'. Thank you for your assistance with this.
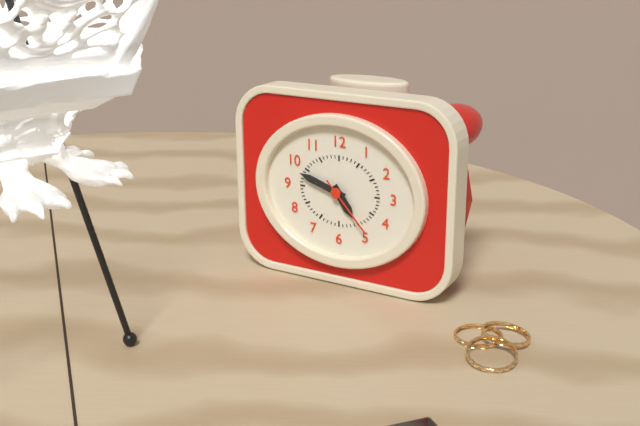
4 h 48 min 23 s
